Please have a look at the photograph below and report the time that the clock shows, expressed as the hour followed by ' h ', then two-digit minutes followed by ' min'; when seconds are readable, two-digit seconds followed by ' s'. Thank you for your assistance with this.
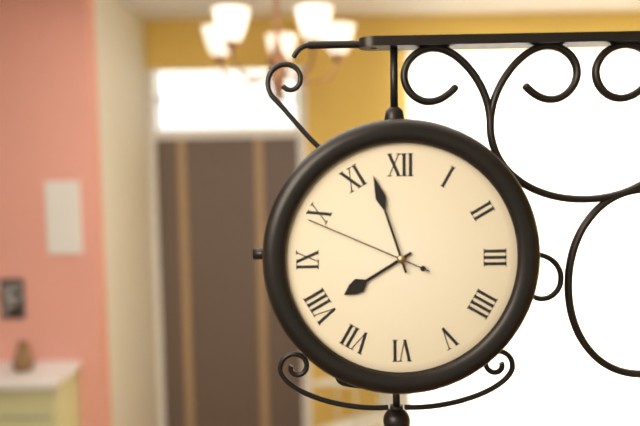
7 h 57 min 49 s
